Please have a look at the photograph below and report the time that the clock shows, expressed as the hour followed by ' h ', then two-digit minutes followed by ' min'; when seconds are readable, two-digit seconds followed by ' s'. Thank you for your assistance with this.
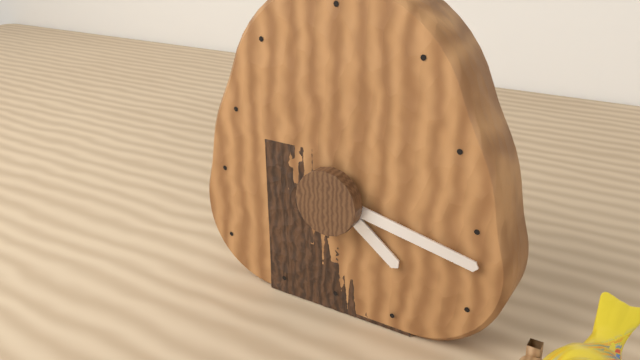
4 h 17 min
